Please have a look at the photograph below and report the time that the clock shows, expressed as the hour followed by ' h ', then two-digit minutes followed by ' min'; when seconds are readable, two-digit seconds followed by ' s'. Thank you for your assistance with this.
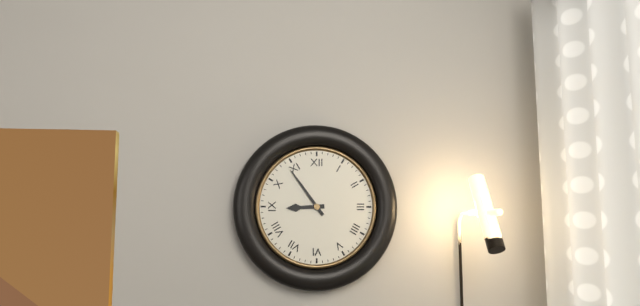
8 h 54 min
